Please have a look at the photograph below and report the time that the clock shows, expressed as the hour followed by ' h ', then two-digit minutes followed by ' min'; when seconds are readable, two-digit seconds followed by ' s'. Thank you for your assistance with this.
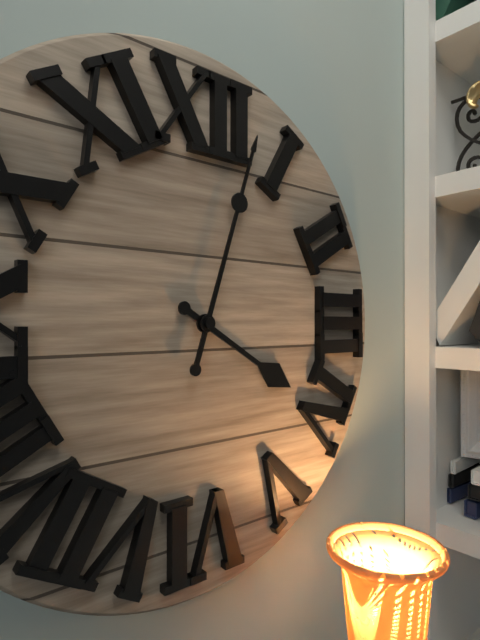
4 h 03 min
